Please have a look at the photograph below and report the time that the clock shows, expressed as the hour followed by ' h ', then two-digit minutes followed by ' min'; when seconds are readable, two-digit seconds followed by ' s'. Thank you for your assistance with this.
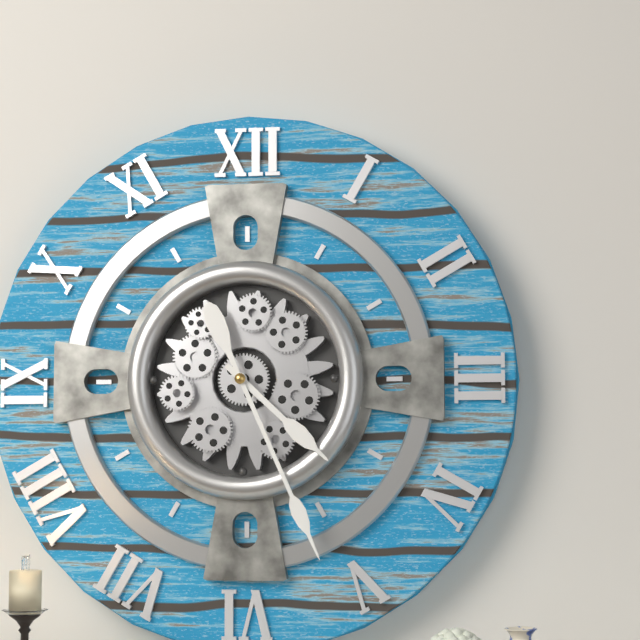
4 h 26 min
